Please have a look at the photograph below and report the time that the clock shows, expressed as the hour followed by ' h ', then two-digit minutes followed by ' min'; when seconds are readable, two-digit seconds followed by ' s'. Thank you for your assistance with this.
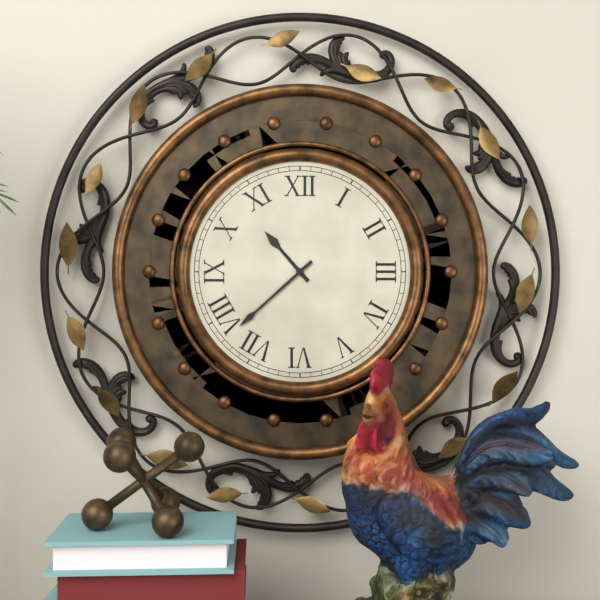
10 h 38 min
